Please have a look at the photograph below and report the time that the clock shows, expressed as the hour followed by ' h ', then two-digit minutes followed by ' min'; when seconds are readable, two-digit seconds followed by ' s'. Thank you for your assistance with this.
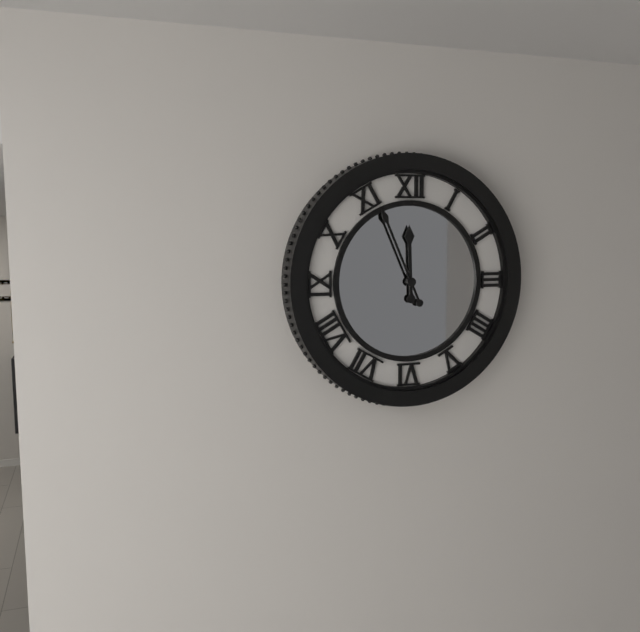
11 h 56 min
